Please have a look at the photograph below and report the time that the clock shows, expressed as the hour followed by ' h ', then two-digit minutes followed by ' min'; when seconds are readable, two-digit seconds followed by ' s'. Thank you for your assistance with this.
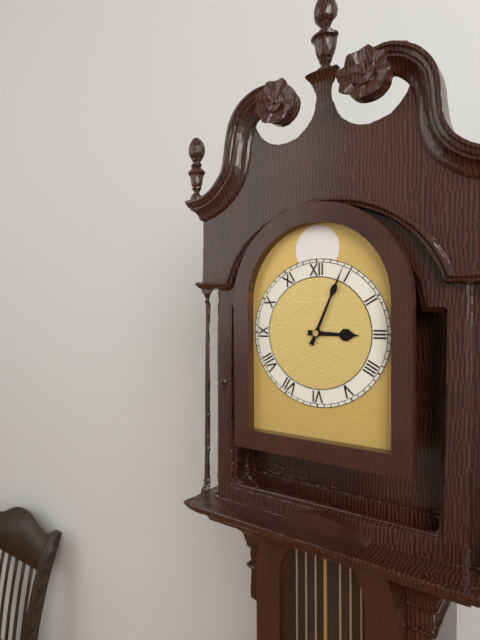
3 h 04 min
